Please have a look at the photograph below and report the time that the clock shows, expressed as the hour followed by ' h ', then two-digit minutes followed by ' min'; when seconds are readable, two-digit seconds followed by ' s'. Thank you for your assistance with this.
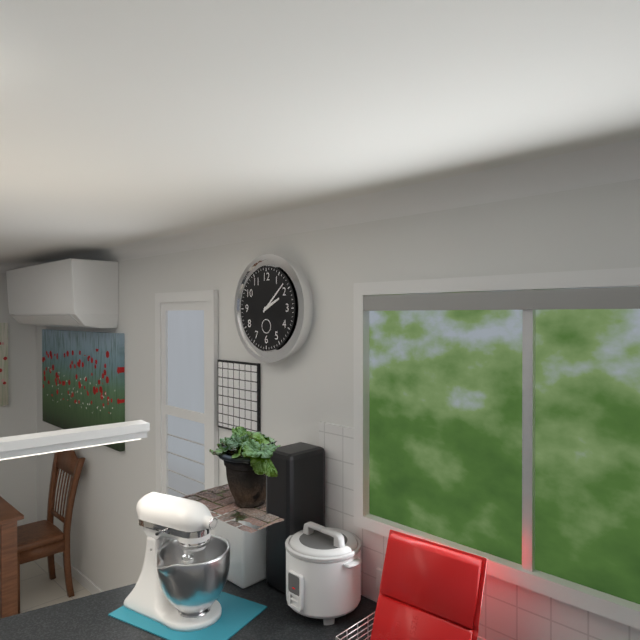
2 h 08 min
